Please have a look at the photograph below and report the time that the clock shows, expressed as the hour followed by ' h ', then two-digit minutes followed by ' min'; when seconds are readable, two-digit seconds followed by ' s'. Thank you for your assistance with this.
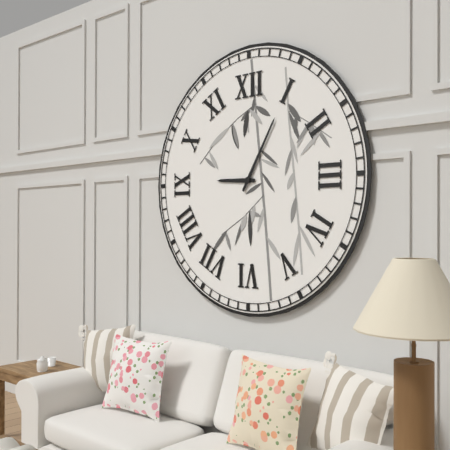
9 h 05 min
